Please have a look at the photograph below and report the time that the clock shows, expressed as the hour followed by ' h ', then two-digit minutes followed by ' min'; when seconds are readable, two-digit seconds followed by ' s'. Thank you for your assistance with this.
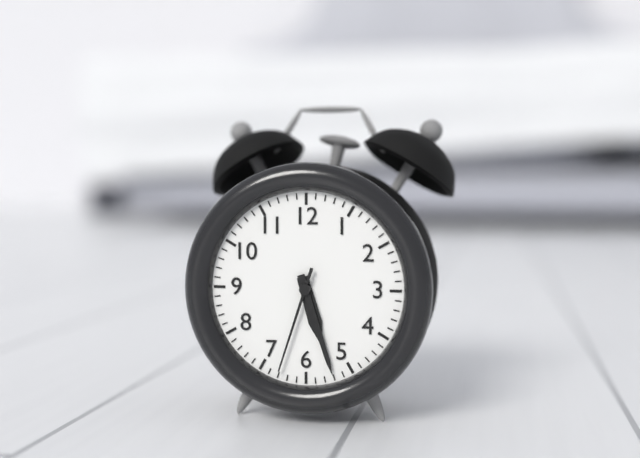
5 h 27 min 33 s
